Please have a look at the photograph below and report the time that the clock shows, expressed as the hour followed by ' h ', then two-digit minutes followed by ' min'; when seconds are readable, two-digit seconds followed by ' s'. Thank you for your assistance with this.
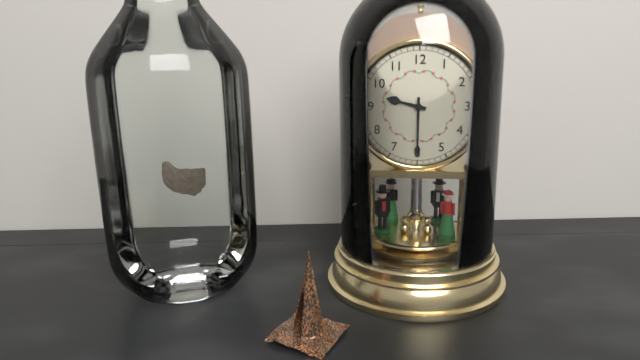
9 h 30 min
